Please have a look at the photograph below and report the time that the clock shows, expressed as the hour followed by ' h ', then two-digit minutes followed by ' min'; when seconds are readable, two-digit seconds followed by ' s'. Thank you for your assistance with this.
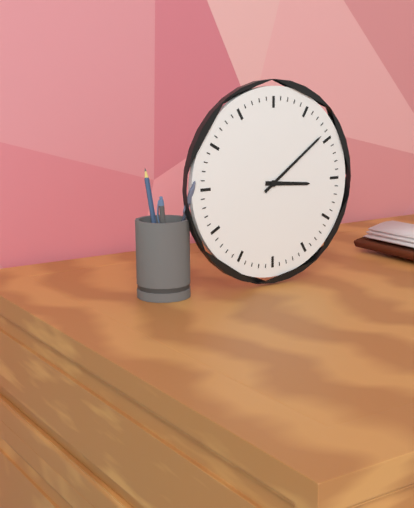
3 h 09 min
